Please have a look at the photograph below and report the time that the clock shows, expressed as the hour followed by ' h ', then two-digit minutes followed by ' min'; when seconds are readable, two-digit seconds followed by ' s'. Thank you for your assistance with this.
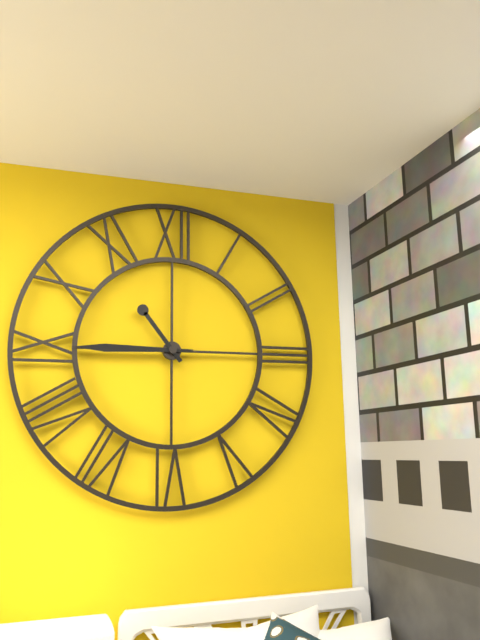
10 h 45 min
